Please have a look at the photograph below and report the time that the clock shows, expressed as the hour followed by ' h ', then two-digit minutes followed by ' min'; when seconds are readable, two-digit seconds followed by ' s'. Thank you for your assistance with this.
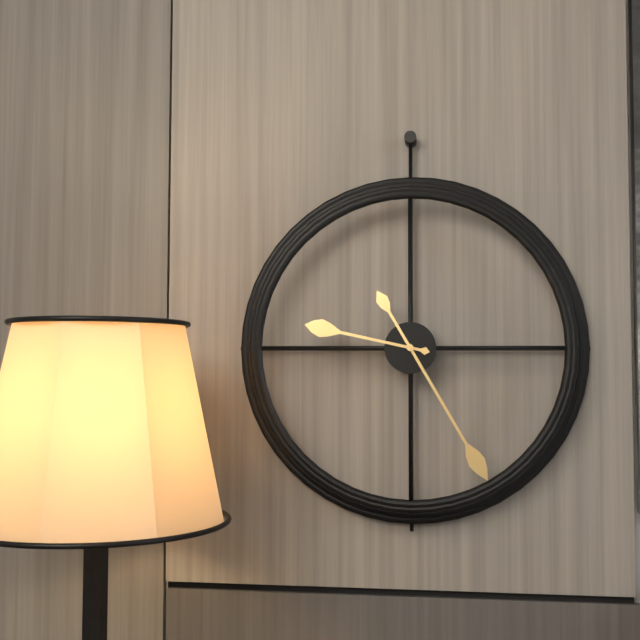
9 h 25 min
